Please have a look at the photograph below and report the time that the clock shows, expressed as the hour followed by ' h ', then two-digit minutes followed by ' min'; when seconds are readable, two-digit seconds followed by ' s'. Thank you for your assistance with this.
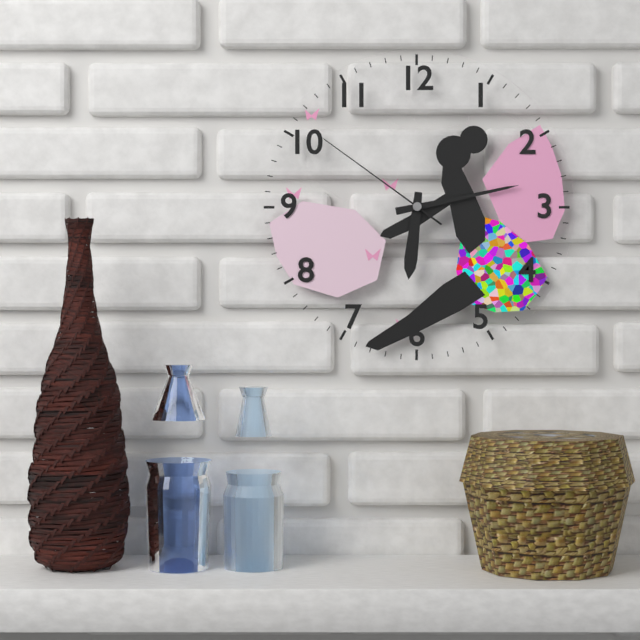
6 h 13 min 51 s
